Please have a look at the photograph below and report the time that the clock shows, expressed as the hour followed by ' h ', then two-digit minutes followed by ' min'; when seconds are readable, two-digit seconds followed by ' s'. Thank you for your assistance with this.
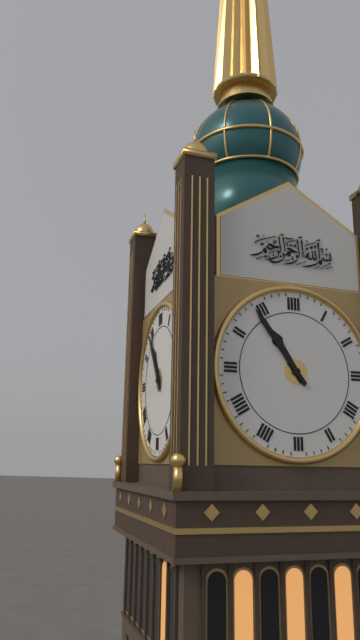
10 h 54 min
